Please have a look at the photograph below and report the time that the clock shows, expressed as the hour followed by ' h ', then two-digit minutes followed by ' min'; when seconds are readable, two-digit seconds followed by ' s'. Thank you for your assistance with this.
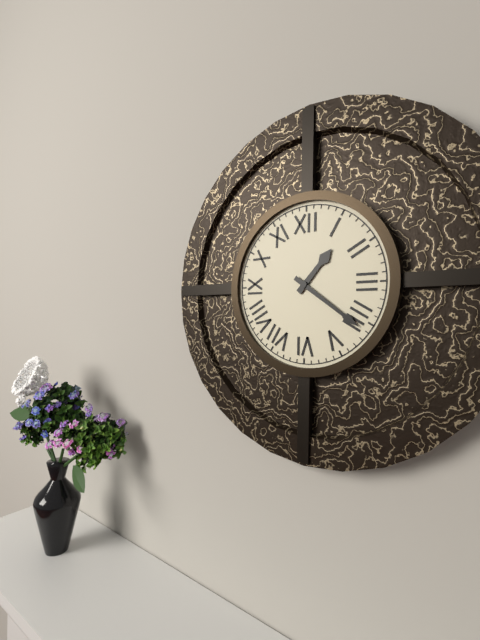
1 h 21 min
